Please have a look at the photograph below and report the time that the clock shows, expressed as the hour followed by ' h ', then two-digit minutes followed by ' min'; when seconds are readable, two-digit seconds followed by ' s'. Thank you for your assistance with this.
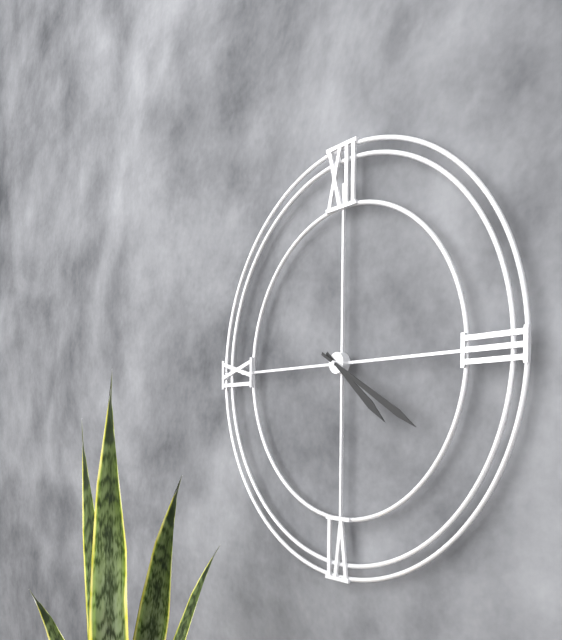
4 h 20 min
